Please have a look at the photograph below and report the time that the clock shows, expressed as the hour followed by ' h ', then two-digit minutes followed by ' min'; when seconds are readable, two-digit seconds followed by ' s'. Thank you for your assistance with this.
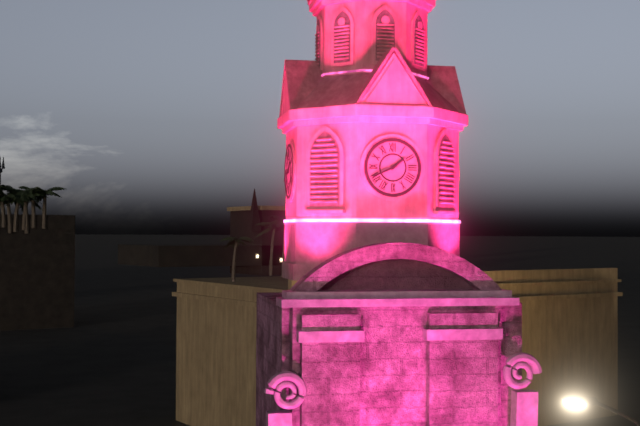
1 h 41 min
